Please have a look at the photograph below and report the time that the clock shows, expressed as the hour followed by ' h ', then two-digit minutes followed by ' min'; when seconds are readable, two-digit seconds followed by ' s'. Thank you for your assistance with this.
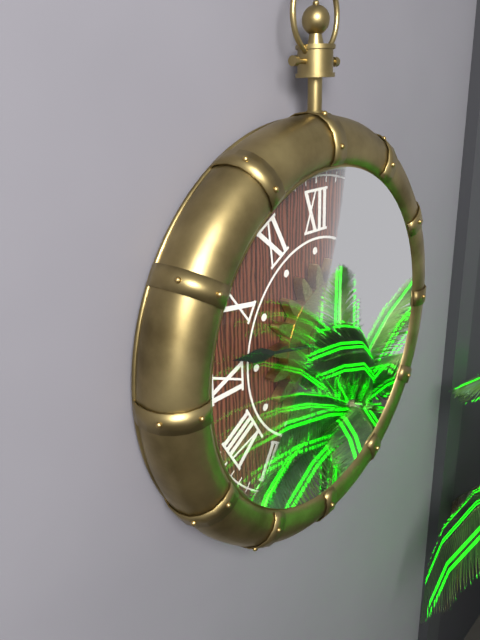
12 h 47 min
